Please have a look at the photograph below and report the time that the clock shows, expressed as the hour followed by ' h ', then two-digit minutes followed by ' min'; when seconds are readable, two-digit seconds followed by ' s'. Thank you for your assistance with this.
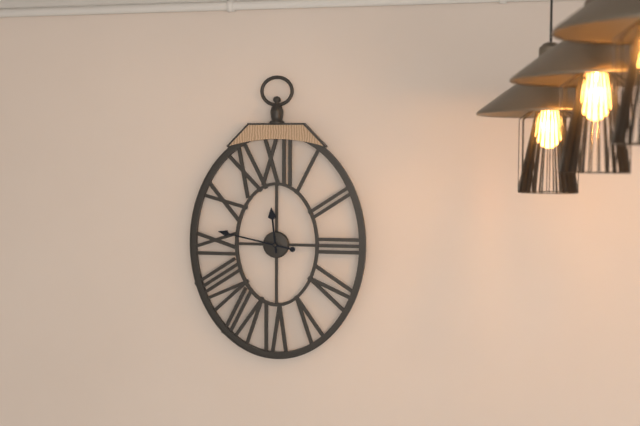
11 h 47 min
